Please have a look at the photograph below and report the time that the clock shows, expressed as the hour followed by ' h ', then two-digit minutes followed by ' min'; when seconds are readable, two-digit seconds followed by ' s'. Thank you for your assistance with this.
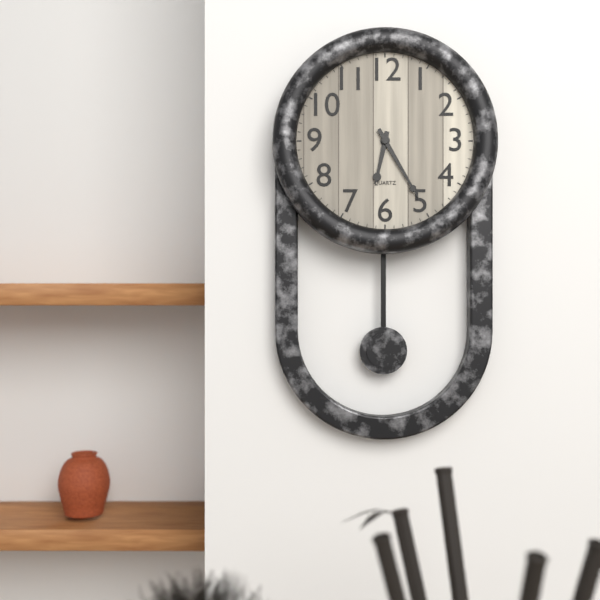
6 h 25 min
